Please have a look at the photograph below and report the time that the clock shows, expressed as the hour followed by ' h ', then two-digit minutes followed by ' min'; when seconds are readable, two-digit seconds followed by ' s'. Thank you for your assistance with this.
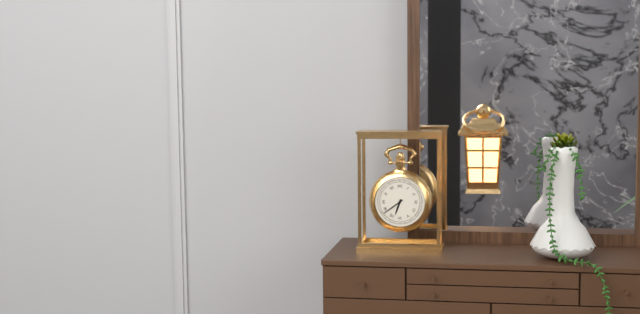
6 h 39 min
